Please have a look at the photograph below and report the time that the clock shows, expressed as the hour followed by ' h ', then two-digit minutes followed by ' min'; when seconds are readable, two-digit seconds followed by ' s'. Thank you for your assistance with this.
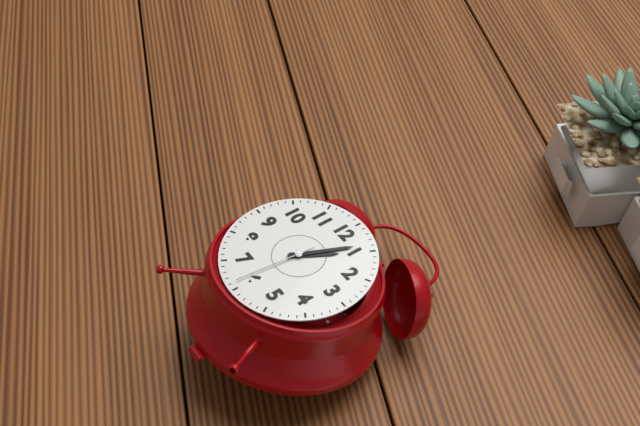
1 h 04 min 31 s
